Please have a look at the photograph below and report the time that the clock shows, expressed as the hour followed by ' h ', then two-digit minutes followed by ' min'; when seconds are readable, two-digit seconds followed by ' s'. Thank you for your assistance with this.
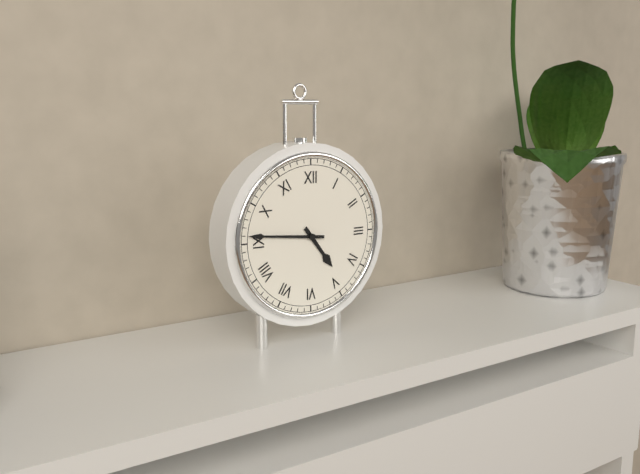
4 h 46 min
